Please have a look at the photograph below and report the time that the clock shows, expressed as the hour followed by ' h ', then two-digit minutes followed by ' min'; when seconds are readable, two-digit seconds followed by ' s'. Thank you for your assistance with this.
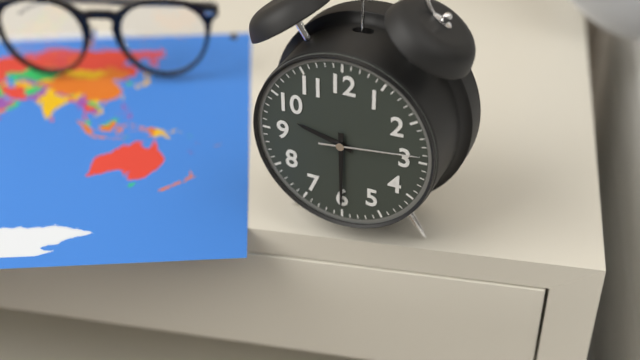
9 h 30 min 14 s
